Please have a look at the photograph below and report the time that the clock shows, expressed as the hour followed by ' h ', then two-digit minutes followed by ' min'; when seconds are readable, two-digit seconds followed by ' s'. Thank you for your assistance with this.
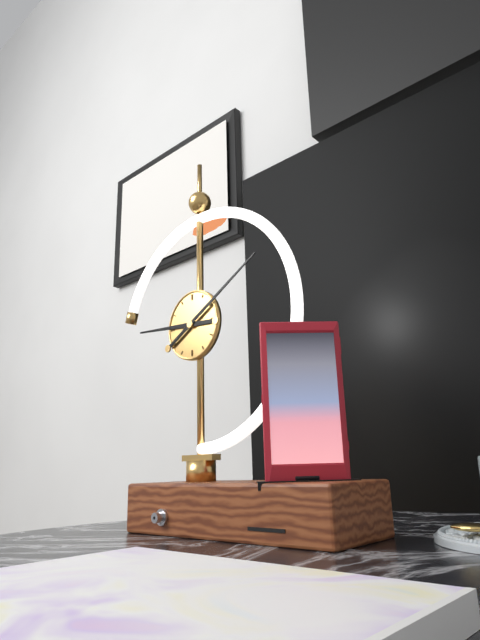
9 h 10 min
